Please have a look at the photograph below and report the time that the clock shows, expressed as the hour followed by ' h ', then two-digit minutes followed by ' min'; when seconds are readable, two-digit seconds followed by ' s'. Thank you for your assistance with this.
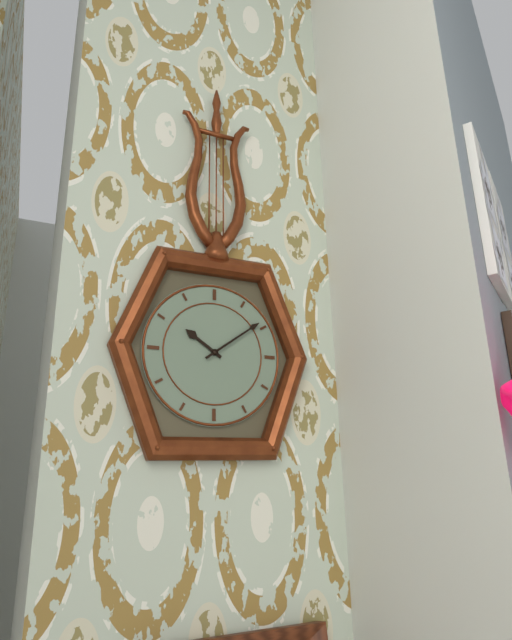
10 h 09 min
